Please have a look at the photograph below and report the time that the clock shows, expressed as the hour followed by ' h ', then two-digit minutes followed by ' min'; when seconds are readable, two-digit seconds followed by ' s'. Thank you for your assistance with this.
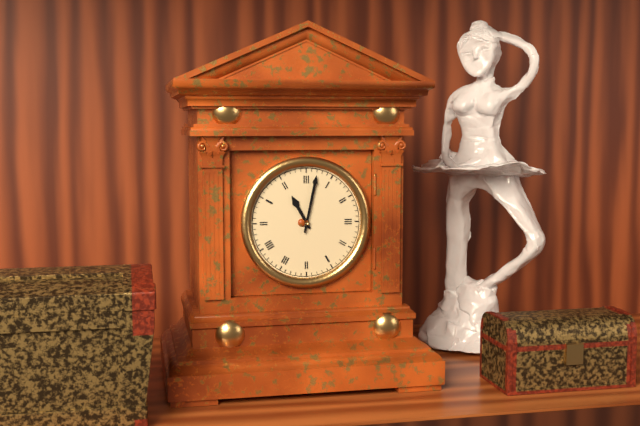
11 h 02 min
